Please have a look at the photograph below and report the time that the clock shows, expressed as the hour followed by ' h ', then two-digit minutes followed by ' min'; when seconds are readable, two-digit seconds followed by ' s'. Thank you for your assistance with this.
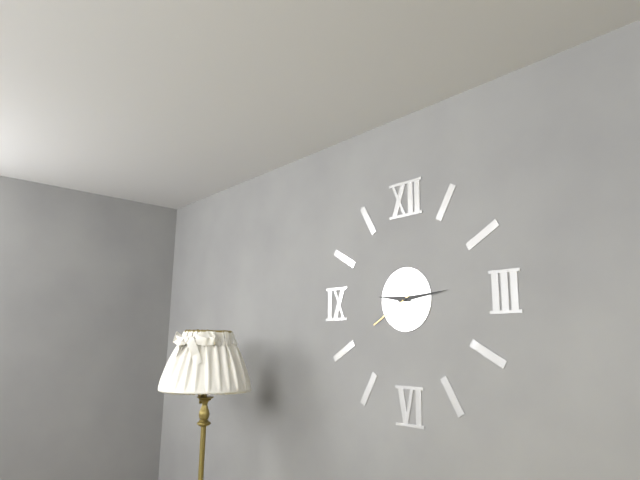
9 h 14 min 40 s
